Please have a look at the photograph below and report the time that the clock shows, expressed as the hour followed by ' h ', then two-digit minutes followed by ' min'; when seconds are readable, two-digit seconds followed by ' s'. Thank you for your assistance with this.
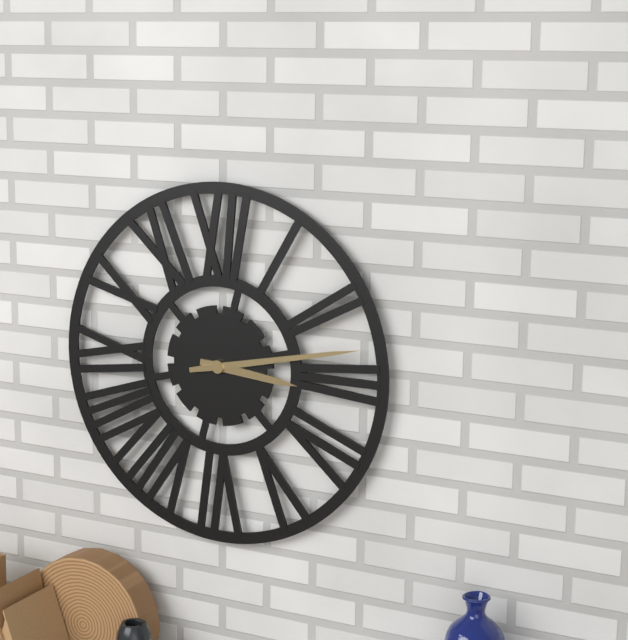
3 h 13 min
